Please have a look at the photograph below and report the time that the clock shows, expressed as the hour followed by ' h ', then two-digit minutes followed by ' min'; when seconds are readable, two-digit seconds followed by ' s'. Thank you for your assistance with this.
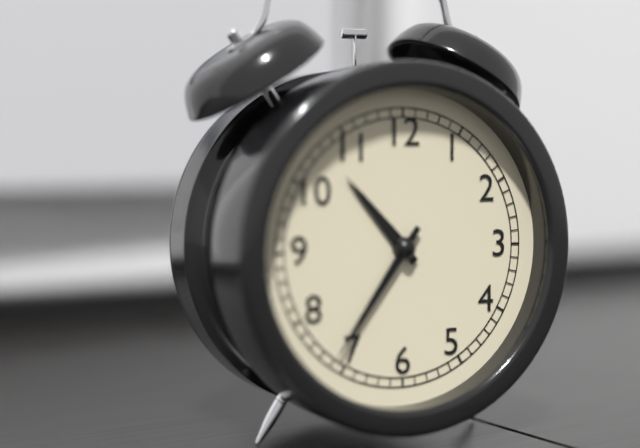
10 h 36 min
